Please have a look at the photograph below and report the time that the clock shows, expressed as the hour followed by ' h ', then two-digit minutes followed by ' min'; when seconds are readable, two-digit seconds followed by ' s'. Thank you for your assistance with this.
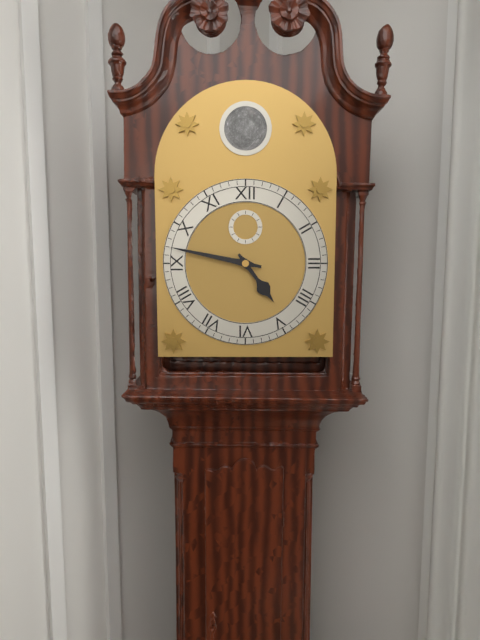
4 h 47 min
